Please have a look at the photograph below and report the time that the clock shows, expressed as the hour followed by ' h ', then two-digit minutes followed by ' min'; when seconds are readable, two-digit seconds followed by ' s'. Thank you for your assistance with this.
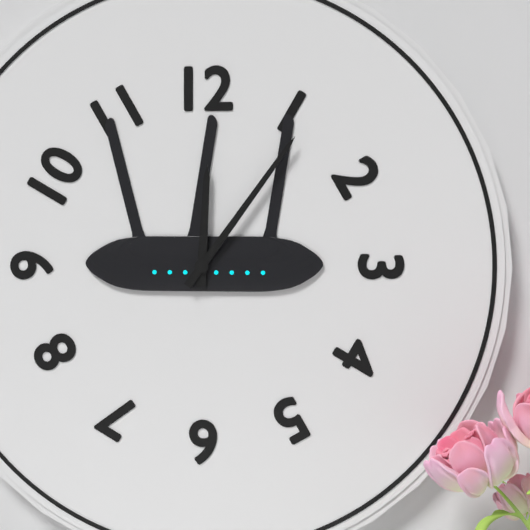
12 h 06 min
